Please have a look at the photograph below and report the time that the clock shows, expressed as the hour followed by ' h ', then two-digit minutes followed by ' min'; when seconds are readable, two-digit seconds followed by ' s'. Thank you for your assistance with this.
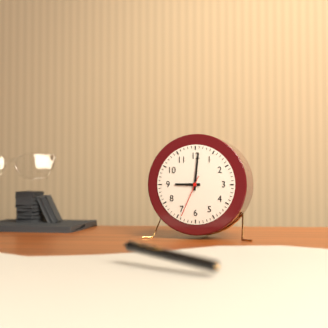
9 h 01 min
